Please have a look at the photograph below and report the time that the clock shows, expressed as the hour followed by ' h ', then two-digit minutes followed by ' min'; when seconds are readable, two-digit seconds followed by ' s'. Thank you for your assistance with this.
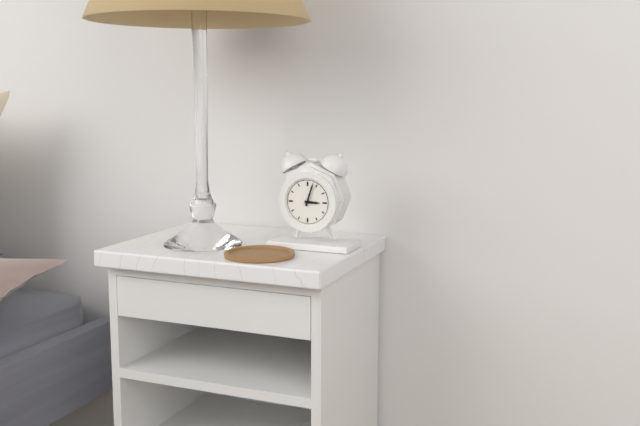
3 h 03 min
